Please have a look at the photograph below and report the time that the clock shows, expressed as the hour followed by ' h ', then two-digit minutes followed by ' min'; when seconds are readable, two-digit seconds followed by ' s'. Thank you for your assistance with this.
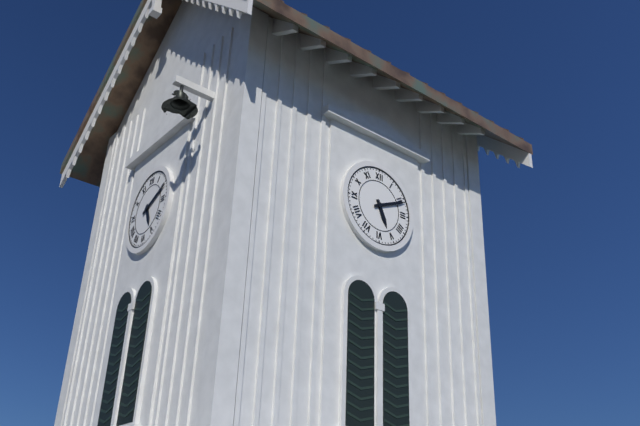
5 h 11 min
